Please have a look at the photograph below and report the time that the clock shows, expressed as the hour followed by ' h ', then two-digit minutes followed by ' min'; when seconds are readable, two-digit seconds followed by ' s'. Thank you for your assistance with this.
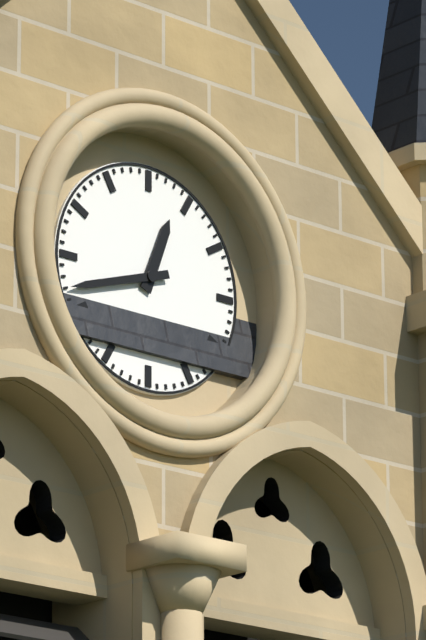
12 h 42 min
